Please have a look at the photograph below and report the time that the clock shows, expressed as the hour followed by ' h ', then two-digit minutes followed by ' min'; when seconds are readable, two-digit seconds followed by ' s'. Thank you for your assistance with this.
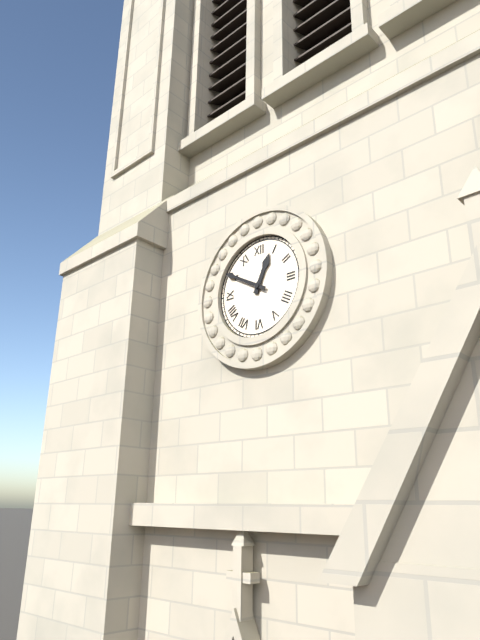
12 h 50 min
